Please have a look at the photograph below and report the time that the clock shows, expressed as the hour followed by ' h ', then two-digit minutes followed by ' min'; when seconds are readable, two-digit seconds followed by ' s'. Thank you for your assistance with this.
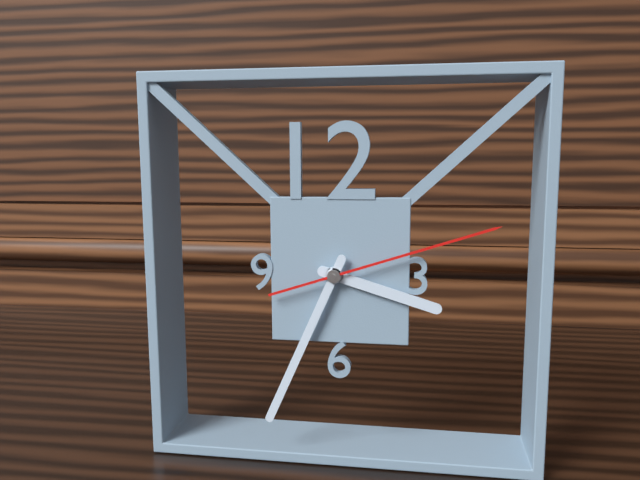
3 h 34 min 12 s
